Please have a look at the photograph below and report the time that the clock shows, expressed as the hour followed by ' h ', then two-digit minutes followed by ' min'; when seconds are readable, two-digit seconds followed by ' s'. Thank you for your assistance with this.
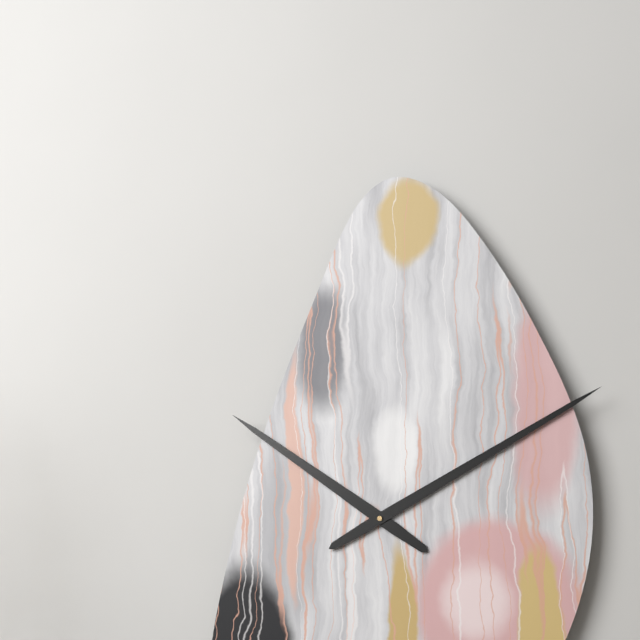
10 h 10 min
